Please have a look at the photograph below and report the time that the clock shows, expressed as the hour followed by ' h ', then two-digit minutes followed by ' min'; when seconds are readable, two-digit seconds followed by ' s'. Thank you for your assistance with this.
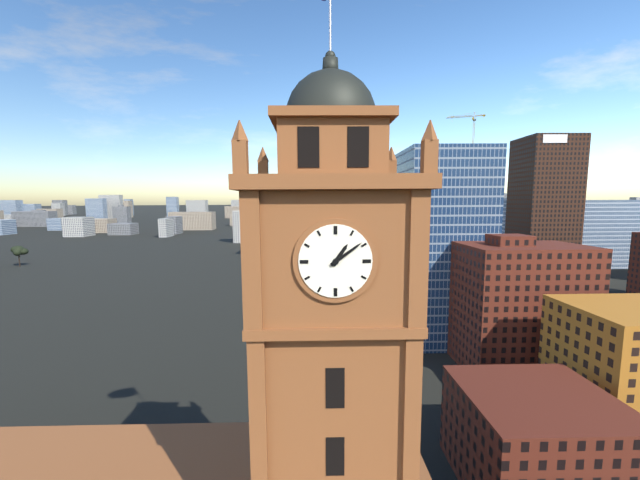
1 h 09 min
